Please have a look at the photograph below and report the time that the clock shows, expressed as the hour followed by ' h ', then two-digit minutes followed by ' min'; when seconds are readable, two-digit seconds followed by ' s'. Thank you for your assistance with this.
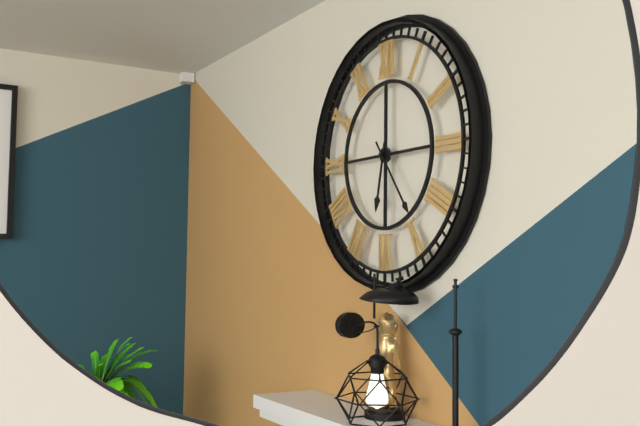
6 h 24 min
